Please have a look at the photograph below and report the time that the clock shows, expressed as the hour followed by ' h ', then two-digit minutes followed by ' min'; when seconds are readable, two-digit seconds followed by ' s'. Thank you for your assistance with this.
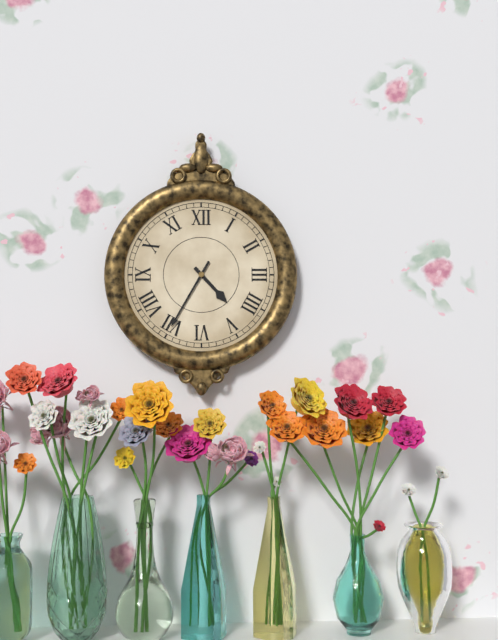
4 h 35 min
